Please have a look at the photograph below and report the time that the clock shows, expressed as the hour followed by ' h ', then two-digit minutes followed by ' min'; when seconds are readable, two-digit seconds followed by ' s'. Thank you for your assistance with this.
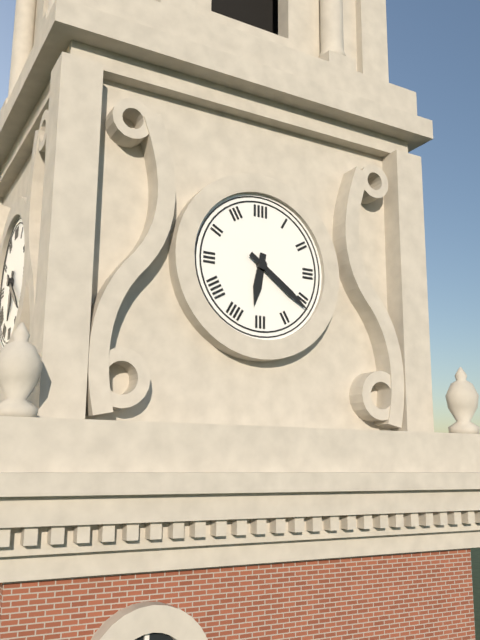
6 h 21 min
